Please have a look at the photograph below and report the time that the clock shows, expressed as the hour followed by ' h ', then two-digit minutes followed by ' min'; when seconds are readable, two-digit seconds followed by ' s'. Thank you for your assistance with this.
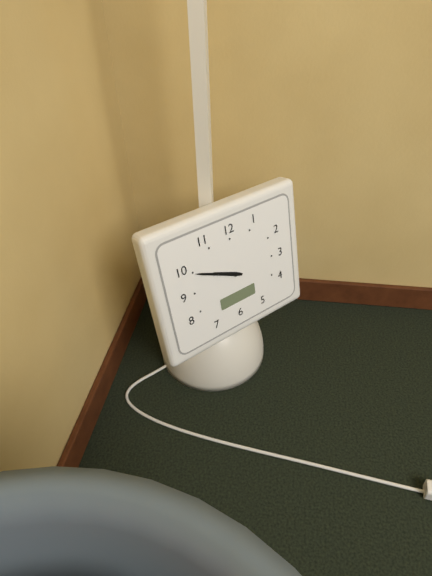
9 h 49 min
